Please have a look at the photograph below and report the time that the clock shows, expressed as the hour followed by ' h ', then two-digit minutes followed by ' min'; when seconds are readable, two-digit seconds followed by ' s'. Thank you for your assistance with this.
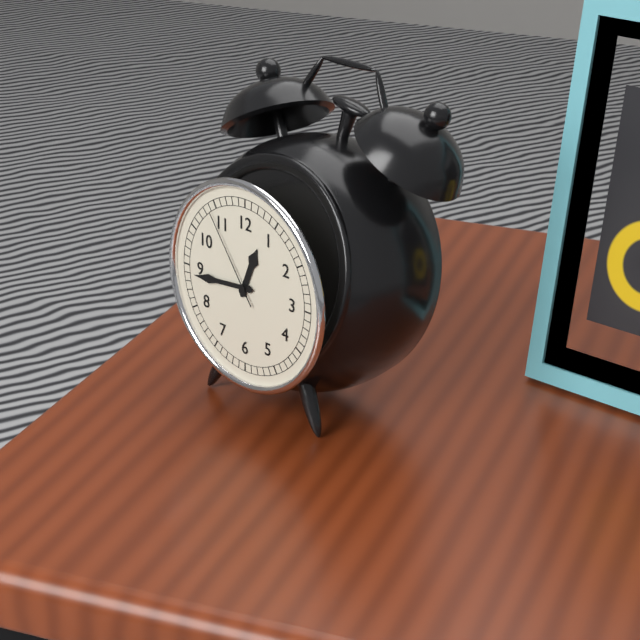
12 h 44 min 54 s
